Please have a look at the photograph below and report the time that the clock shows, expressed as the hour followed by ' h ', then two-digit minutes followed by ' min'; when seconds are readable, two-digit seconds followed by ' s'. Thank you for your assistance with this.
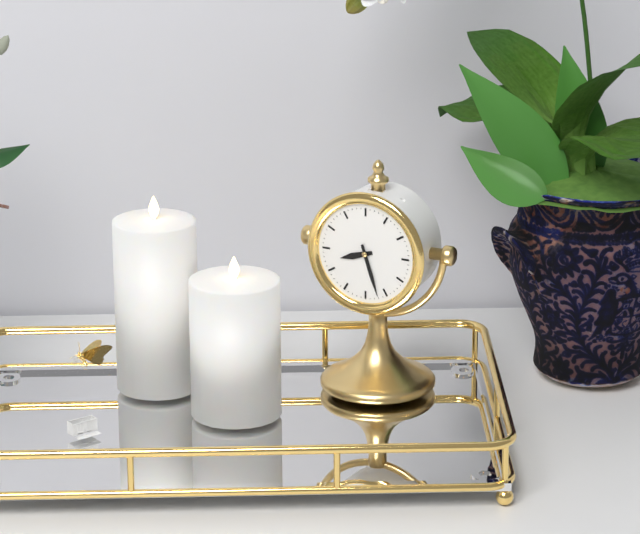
8 h 27 min
